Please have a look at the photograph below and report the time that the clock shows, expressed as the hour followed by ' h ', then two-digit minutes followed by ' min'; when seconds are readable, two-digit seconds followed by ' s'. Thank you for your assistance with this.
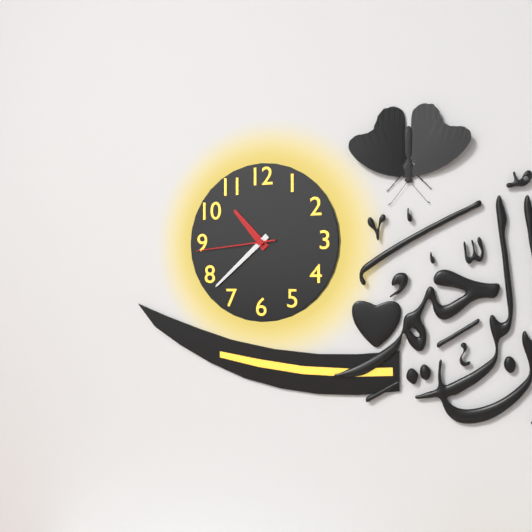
10 h 38 min 44 s
